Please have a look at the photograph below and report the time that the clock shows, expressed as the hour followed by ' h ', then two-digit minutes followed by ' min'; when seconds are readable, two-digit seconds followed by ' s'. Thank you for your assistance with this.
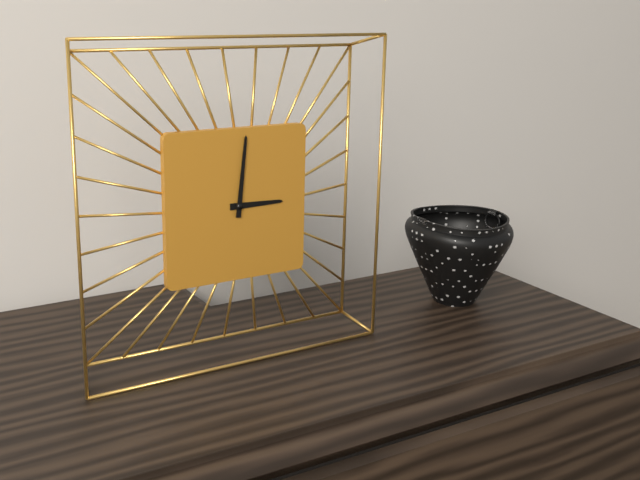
3 h 01 min
